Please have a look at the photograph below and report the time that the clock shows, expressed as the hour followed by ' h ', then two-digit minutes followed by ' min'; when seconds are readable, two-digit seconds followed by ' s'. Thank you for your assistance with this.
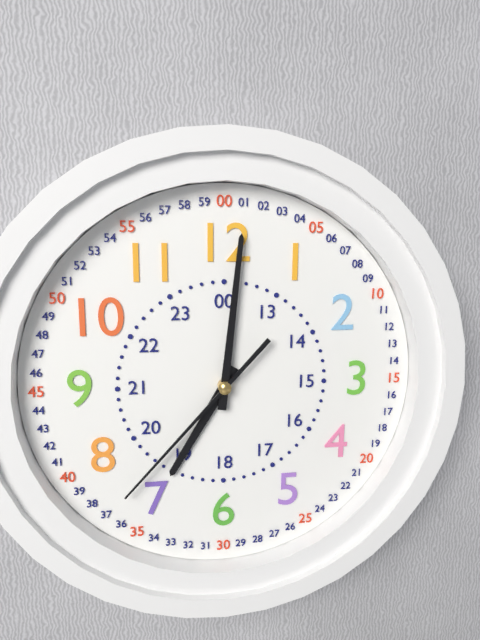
7 h 01 min 37 s
